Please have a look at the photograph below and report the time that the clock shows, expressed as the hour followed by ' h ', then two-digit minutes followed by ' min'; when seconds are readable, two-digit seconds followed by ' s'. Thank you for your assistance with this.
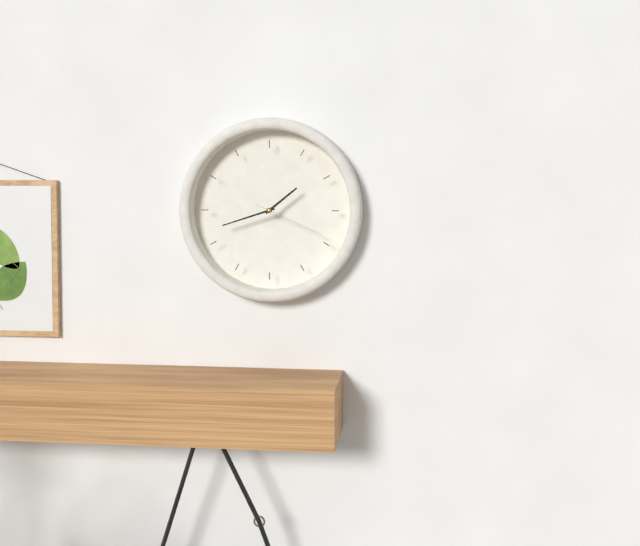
1 h 42 min 19 s
